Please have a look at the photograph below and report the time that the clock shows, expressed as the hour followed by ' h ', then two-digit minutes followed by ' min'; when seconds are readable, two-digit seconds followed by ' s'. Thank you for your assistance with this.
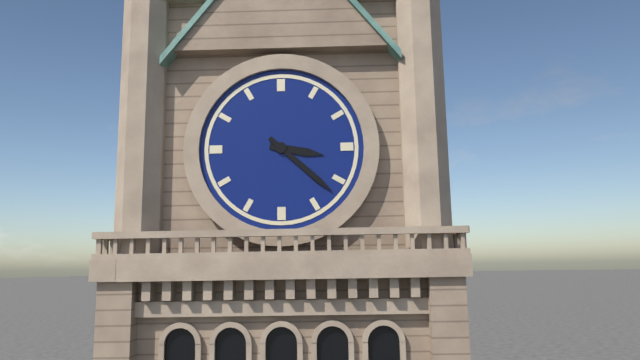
3 h 22 min
